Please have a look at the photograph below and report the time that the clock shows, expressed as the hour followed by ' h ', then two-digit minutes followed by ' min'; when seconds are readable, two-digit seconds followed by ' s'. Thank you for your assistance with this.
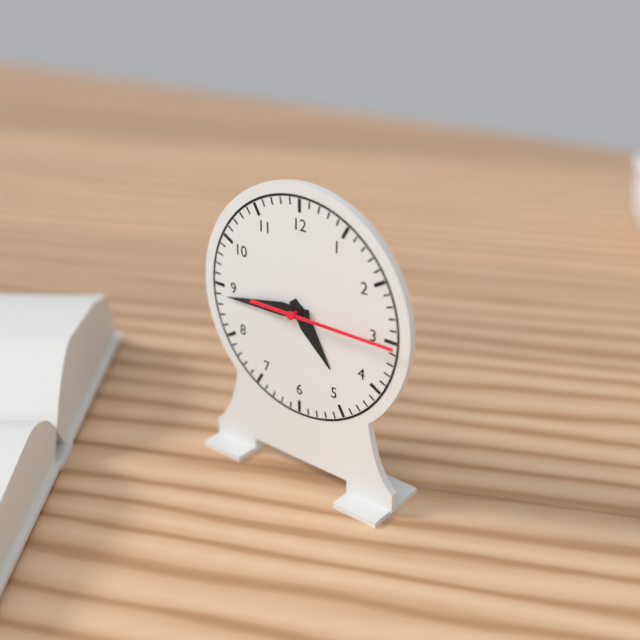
4 h 44 min 15 s
